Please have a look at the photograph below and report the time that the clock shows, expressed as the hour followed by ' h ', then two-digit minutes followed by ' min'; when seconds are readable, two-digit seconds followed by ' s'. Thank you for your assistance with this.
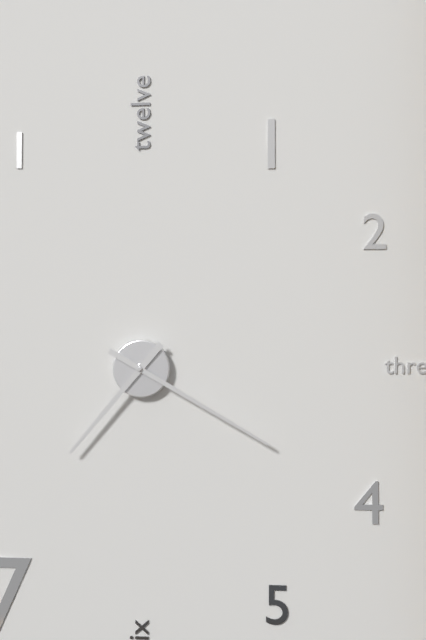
7 h 20 min
